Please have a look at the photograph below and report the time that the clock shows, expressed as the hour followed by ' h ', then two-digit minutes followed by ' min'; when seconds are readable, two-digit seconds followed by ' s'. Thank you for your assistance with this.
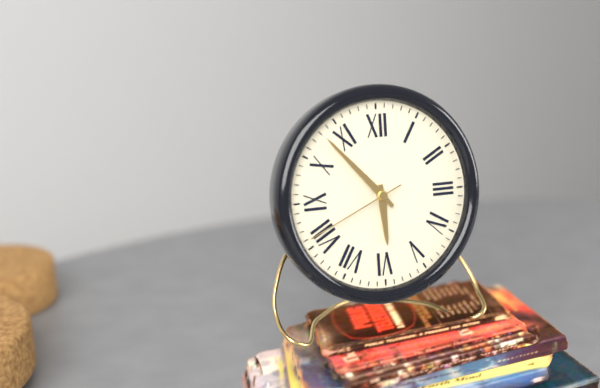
5 h 53 min 41 s
